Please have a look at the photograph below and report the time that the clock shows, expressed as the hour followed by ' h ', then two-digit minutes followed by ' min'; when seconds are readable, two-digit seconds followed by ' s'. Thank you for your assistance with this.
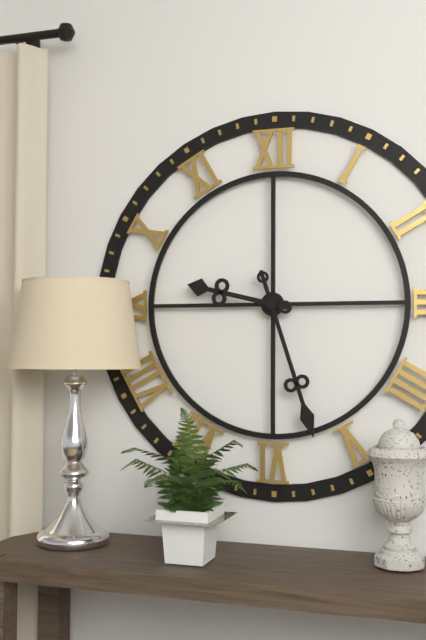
9 h 27 min
